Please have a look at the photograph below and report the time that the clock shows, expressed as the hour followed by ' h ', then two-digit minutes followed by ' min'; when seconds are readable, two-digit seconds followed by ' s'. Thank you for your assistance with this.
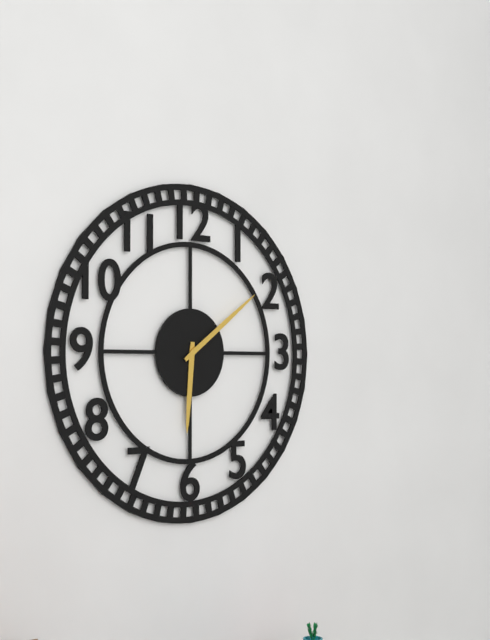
6 h 09 min
